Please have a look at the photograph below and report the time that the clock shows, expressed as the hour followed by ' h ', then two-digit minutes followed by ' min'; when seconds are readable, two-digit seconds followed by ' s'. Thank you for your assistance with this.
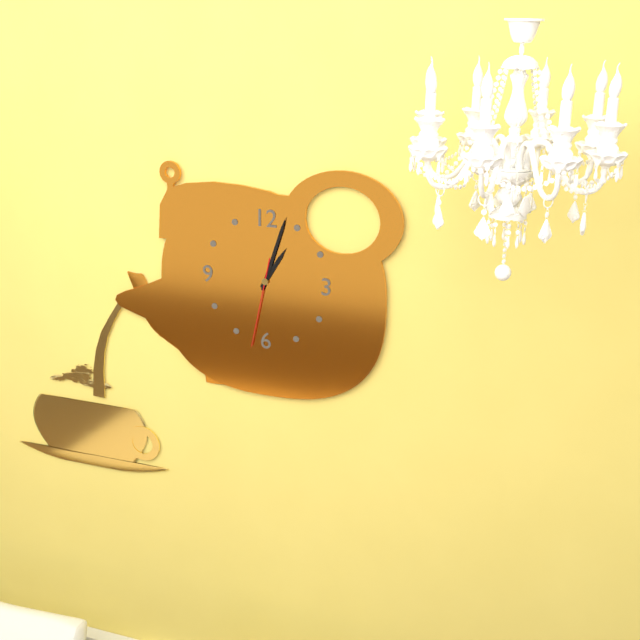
1 h 03 min 32 s
